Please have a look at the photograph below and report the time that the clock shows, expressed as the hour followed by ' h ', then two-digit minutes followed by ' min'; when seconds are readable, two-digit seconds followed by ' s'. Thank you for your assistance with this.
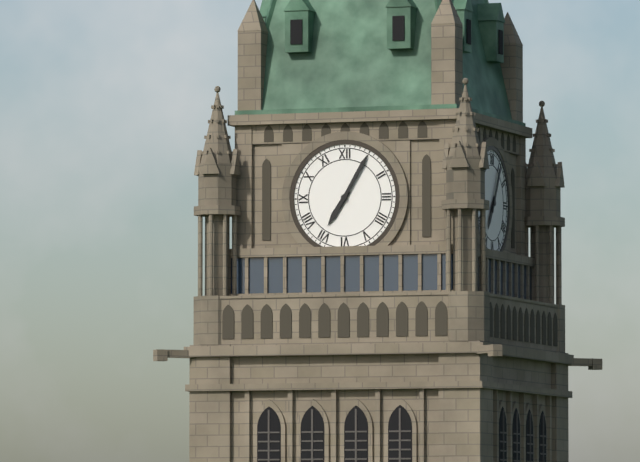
7 h 05 min
